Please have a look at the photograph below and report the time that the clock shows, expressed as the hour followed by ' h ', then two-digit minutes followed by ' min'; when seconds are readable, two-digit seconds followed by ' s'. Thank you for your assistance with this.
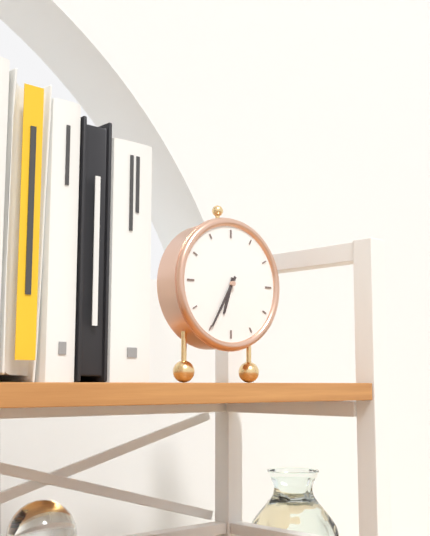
6 h 35 min
